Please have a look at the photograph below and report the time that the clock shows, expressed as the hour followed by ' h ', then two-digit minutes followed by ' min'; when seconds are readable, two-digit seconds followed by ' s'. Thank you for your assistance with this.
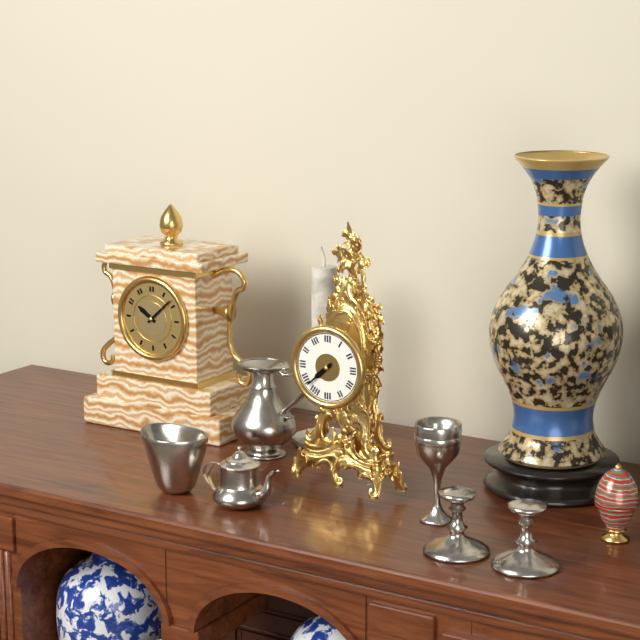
7 h 38 min
